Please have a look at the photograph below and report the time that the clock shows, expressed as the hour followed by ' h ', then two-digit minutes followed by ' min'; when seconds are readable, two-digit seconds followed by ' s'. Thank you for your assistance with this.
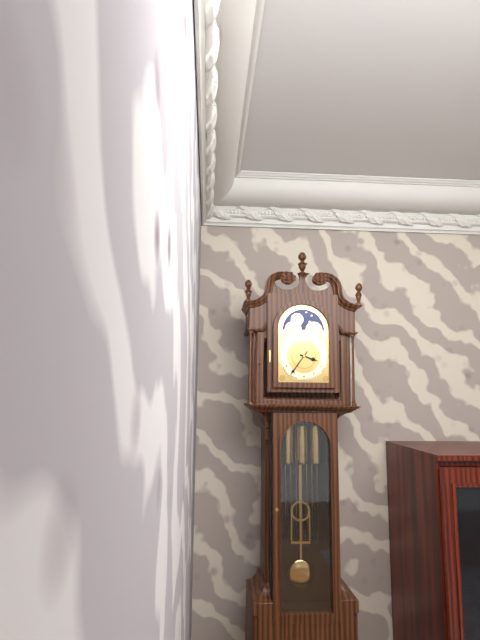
3 h 36 min
